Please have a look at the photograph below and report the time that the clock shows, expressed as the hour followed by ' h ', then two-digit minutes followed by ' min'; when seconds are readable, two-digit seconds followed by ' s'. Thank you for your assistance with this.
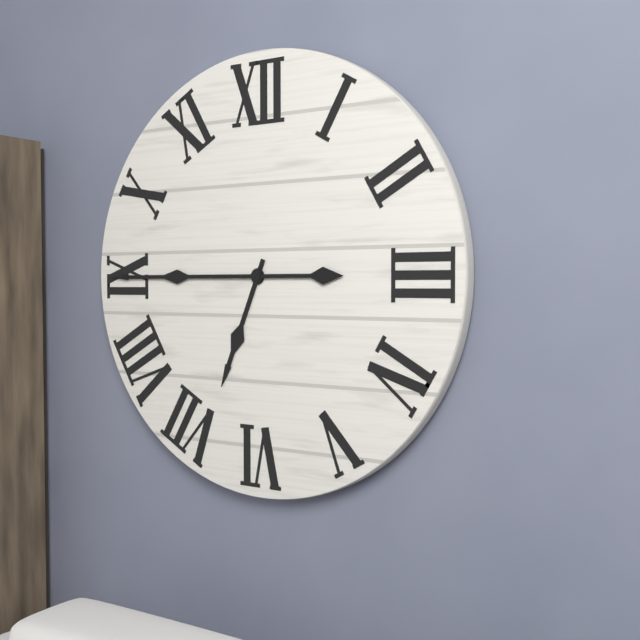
6 h 45 min
